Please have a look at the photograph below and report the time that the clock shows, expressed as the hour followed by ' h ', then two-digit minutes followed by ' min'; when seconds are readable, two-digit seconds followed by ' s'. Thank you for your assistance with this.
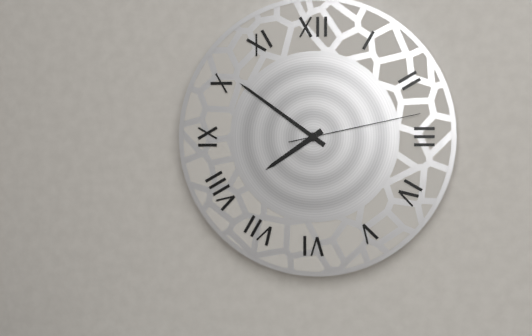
7 h 51 min 13 s
